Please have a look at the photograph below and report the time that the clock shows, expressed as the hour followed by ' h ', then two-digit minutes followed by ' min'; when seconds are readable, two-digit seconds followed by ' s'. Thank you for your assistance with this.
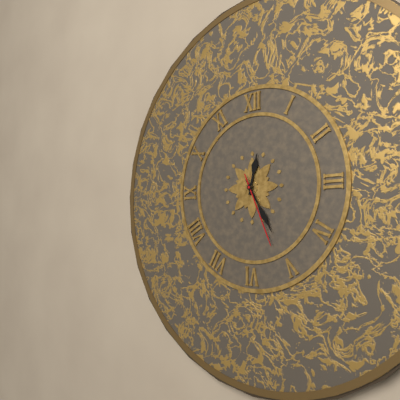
12 h 25 min 26 s
